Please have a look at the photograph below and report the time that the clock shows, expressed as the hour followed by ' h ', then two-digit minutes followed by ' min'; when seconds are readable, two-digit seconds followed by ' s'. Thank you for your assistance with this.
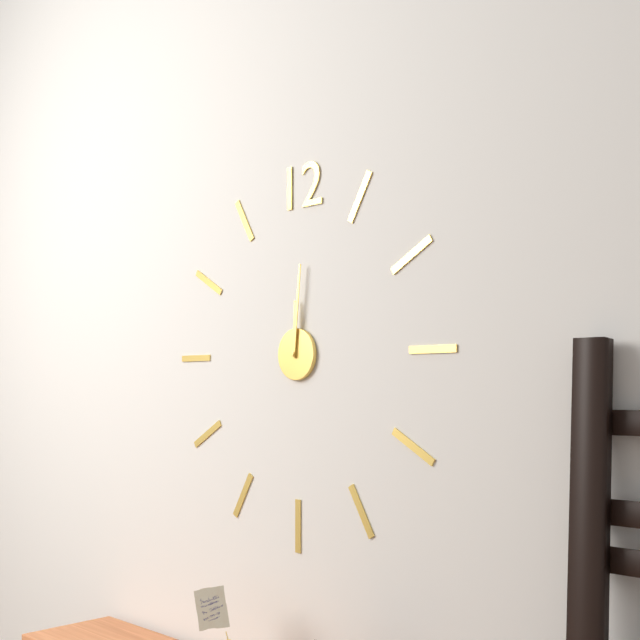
12 h 01 min
